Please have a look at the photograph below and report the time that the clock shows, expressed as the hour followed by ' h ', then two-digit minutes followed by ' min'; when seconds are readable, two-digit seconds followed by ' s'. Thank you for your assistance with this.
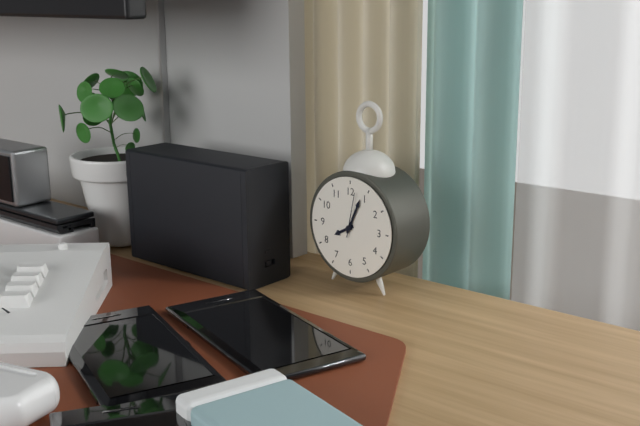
8 h 04 min
